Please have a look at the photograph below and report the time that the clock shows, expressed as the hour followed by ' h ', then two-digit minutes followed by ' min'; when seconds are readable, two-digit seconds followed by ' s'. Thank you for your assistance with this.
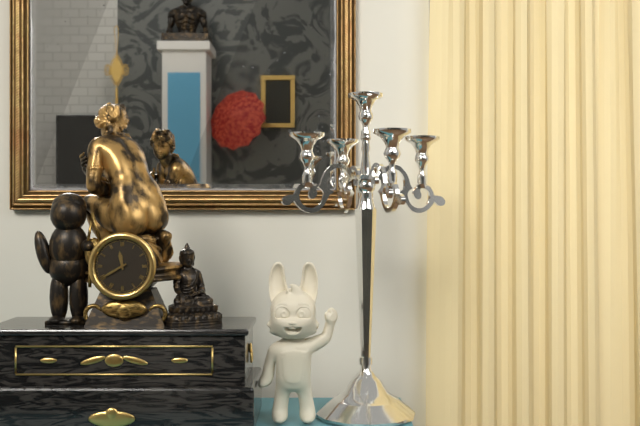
11 h 40 min
